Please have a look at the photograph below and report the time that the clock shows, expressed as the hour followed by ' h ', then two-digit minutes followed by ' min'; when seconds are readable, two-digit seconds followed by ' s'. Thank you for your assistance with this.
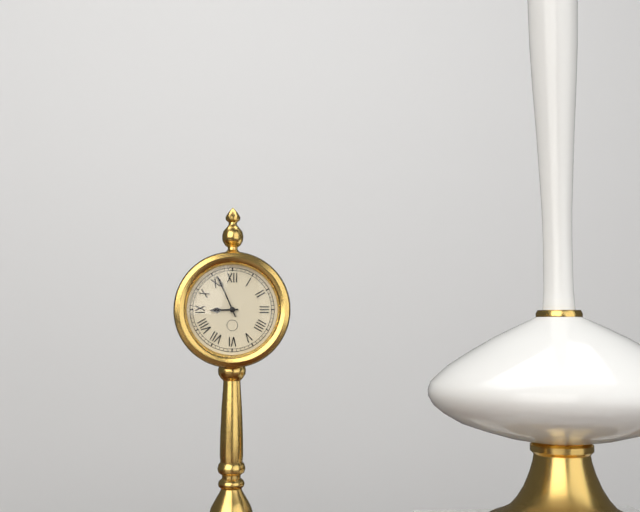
8 h 56 min
